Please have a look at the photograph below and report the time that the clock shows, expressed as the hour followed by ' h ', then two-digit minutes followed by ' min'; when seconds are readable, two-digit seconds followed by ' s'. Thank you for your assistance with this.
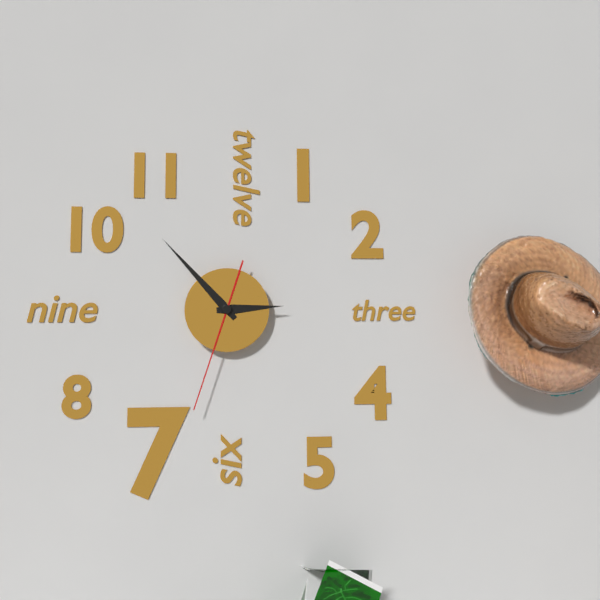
2 h 53 min 33 s
